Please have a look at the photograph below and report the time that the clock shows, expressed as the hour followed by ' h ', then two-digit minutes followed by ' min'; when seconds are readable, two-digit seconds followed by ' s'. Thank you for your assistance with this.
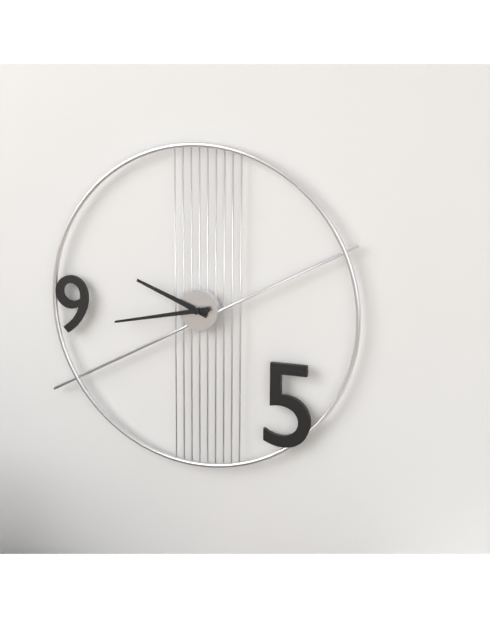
9 h 43 min
